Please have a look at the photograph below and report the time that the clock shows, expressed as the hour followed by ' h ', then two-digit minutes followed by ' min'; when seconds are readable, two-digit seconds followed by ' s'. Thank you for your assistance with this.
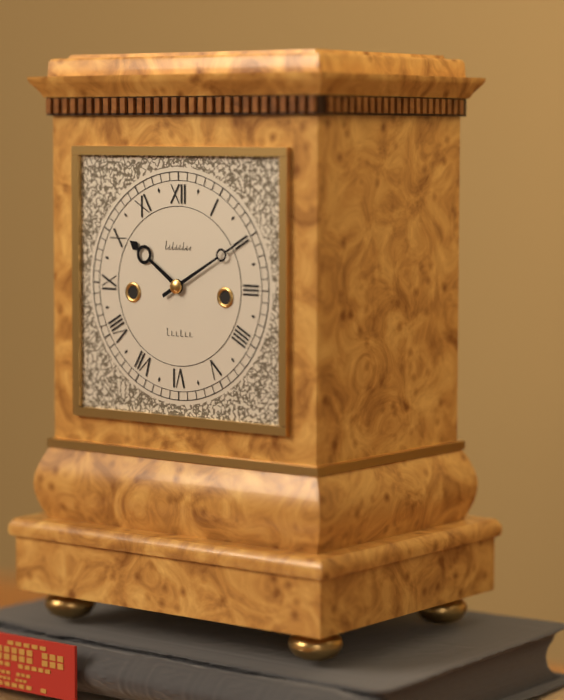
10 h 10 min
